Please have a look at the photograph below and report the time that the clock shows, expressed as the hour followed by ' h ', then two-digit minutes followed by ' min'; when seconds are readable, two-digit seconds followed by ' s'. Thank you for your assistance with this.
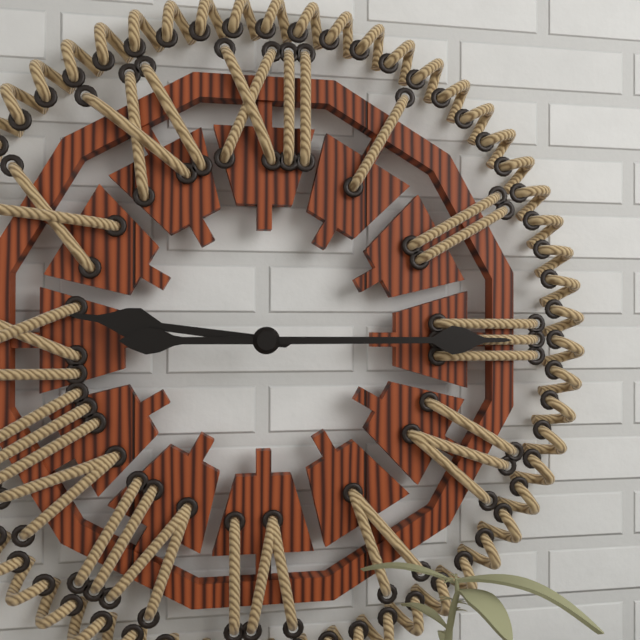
9 h 15 min
